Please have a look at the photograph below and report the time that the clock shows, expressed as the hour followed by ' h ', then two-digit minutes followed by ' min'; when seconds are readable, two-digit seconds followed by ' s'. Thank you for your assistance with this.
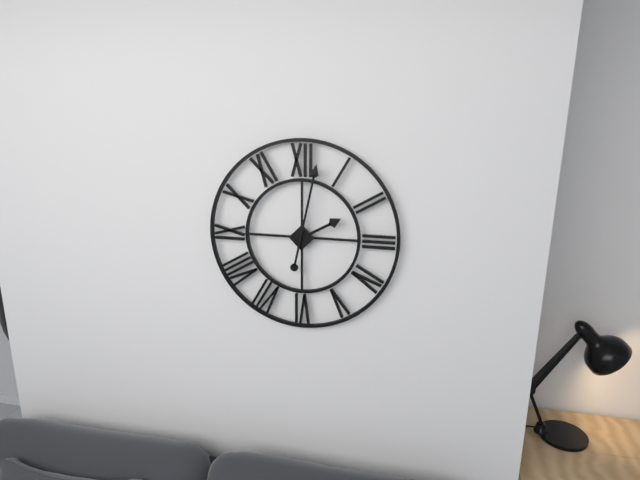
2 h 02 min
